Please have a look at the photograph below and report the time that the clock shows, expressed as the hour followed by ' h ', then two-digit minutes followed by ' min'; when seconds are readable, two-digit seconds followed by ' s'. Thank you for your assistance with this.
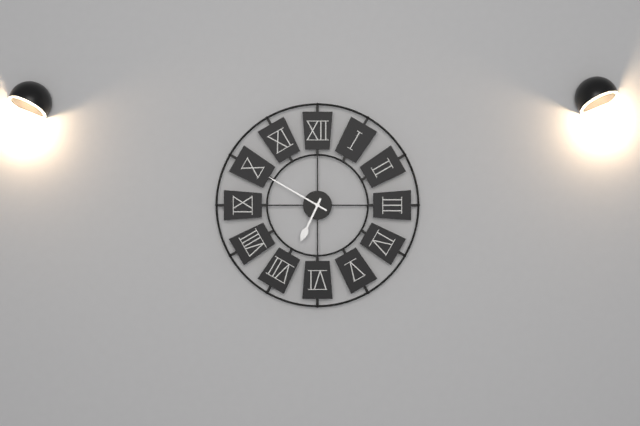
6 h 50 min
